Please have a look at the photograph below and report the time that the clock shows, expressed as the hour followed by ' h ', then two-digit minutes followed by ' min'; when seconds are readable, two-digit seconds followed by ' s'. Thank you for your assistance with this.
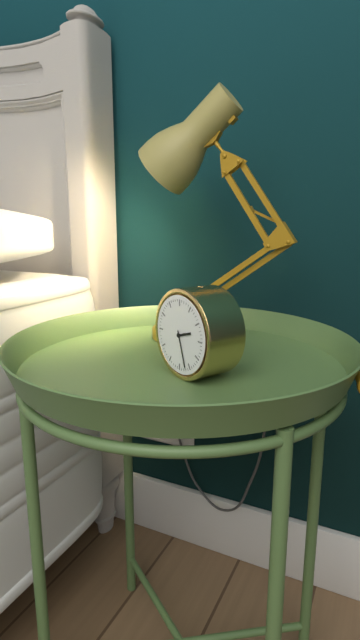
2 h 27 min
